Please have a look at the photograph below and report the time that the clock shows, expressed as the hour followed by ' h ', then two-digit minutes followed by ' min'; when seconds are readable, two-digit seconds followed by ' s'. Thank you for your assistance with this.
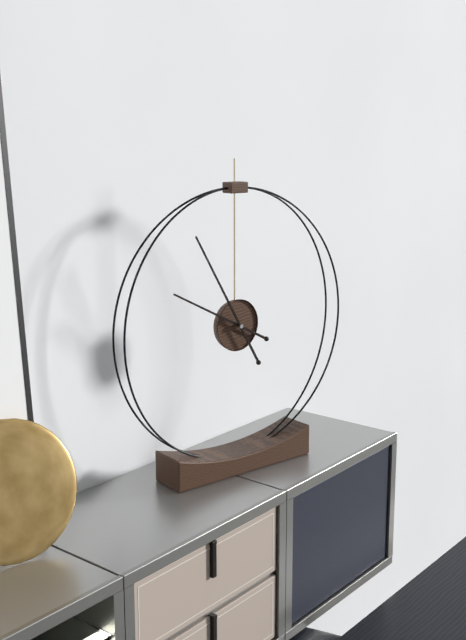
9 h 55 min
